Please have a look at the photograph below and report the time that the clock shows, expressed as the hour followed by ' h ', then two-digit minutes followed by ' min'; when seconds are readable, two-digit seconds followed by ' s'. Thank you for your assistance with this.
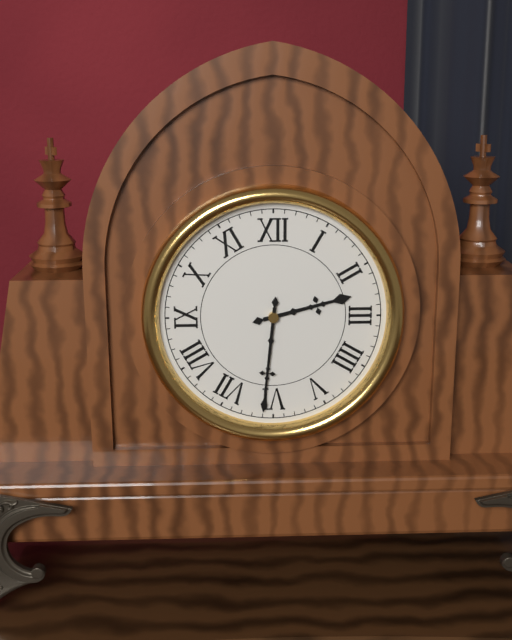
2 h 31 min
